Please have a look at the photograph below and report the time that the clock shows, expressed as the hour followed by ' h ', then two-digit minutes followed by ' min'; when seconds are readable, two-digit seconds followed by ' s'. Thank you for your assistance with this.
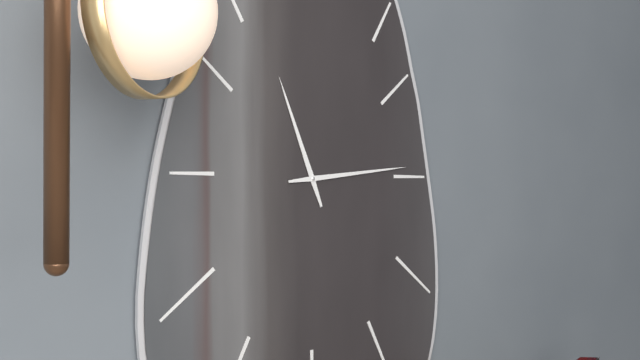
11 h 14 min
